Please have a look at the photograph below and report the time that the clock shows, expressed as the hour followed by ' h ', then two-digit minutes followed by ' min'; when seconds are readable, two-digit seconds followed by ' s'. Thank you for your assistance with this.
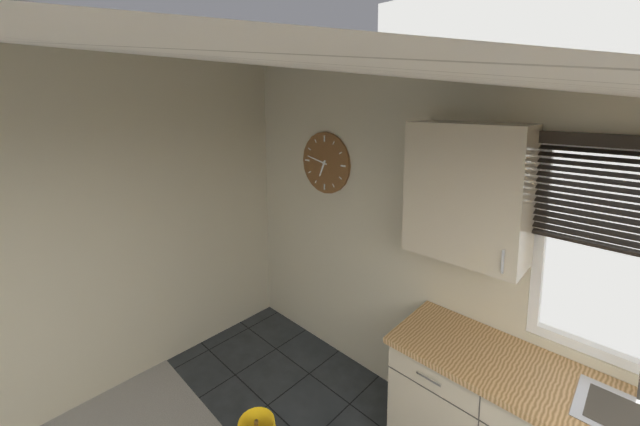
6 h 47 min
